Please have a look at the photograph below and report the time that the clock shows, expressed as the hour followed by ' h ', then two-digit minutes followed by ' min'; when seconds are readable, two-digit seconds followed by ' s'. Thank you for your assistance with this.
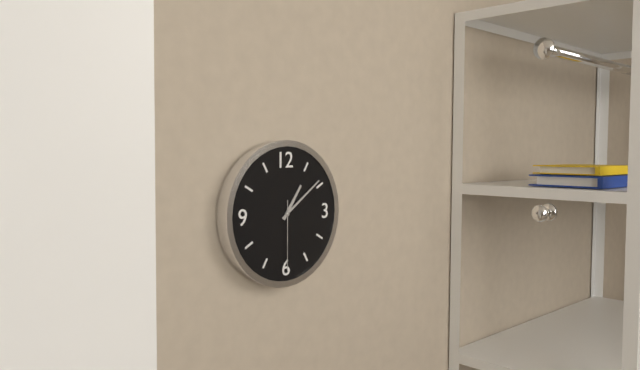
1 h 09 min 30 s
